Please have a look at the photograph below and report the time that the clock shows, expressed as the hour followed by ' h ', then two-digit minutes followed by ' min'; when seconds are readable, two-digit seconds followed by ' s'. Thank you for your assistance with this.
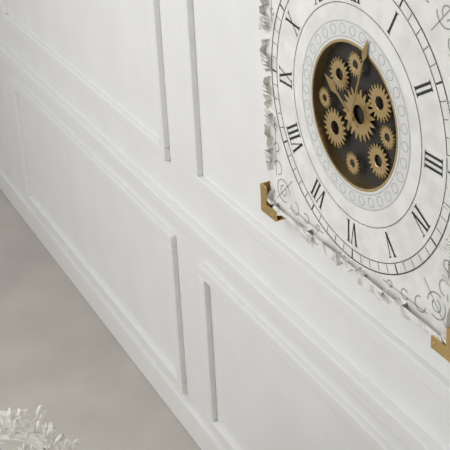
10 h 03 min
